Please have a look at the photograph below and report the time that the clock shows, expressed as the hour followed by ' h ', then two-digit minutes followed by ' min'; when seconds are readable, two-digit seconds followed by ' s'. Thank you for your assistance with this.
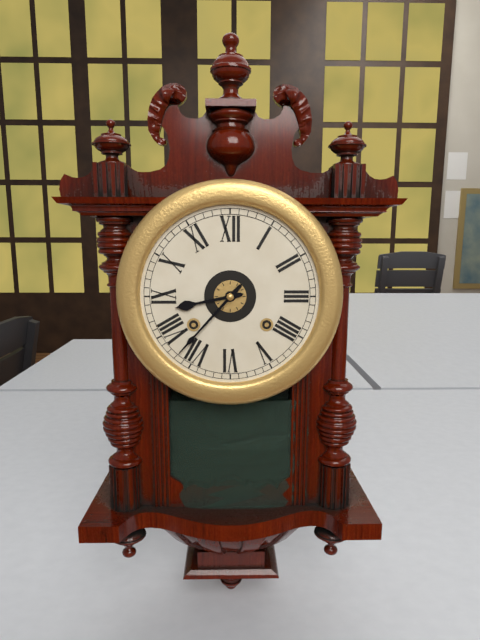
8 h 37 min
